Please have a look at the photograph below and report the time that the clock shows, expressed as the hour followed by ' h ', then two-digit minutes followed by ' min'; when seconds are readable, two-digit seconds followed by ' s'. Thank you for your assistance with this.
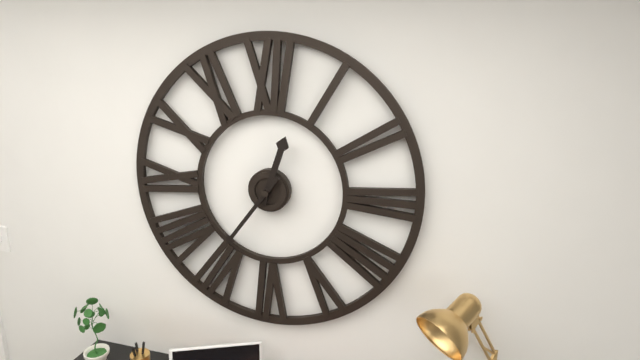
12 h 36 min
